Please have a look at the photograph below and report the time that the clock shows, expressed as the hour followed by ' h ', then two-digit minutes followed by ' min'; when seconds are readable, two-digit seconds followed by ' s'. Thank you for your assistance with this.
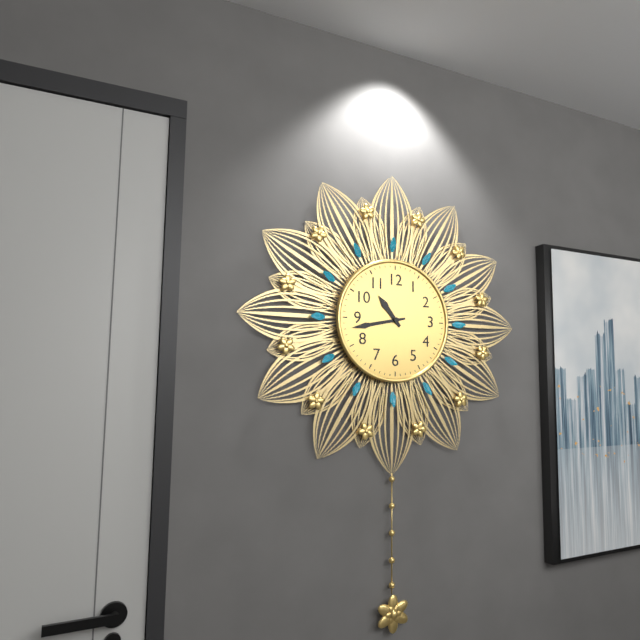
10 h 43 min
